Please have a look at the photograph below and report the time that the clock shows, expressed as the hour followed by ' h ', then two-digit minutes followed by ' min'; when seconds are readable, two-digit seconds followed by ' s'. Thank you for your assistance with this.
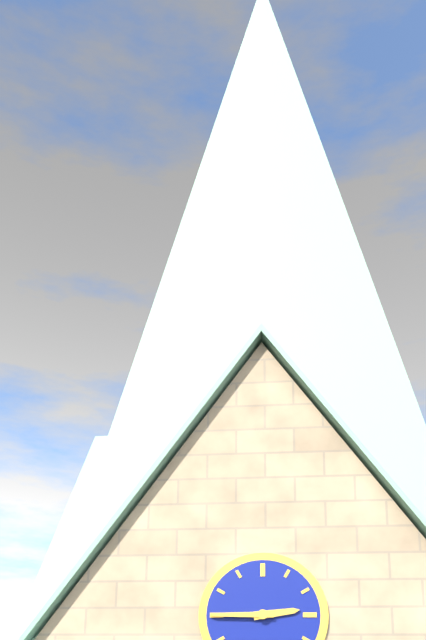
2 h 45 min
